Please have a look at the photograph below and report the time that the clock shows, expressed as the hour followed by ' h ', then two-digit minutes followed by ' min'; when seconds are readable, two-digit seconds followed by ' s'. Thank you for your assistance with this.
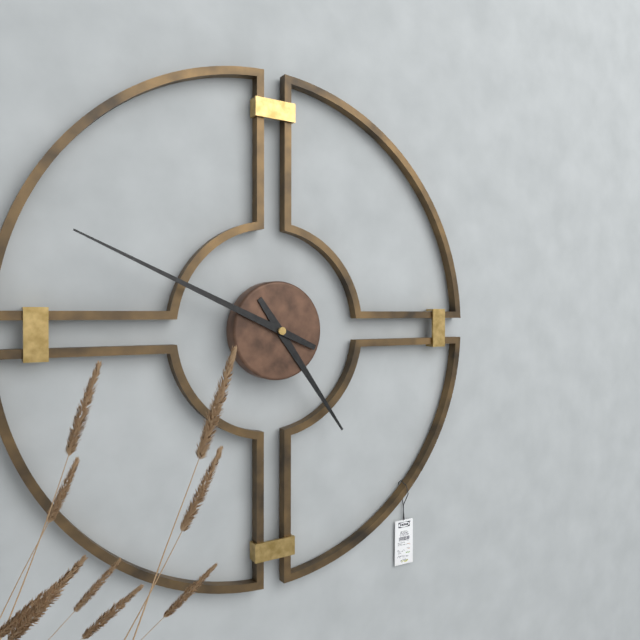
4 h 49 min
